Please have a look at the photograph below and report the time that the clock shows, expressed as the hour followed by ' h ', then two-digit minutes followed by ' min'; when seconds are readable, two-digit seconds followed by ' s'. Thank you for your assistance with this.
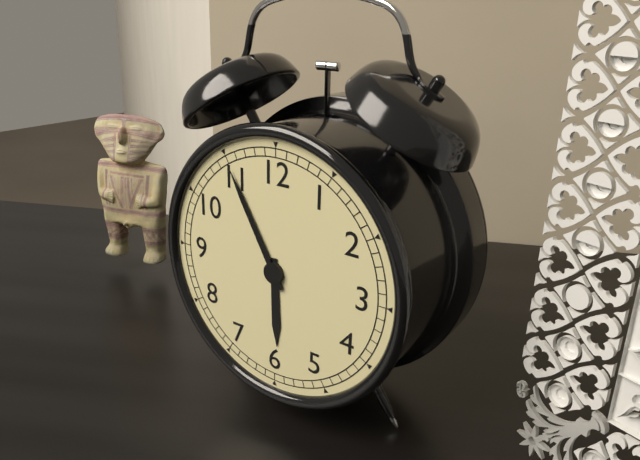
5 h 55 min
